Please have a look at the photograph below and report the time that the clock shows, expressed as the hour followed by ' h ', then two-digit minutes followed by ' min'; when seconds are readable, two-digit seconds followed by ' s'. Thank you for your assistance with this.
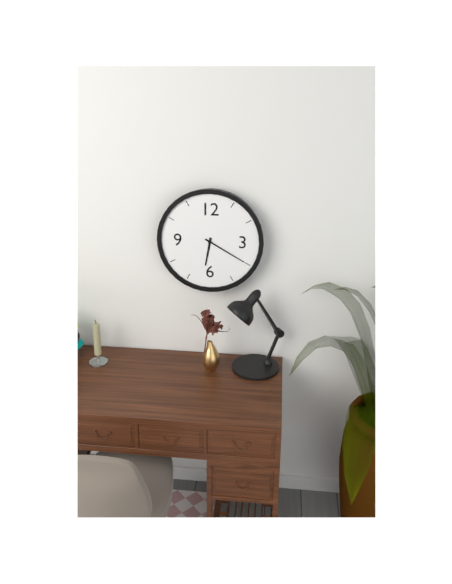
6 h 20 min
